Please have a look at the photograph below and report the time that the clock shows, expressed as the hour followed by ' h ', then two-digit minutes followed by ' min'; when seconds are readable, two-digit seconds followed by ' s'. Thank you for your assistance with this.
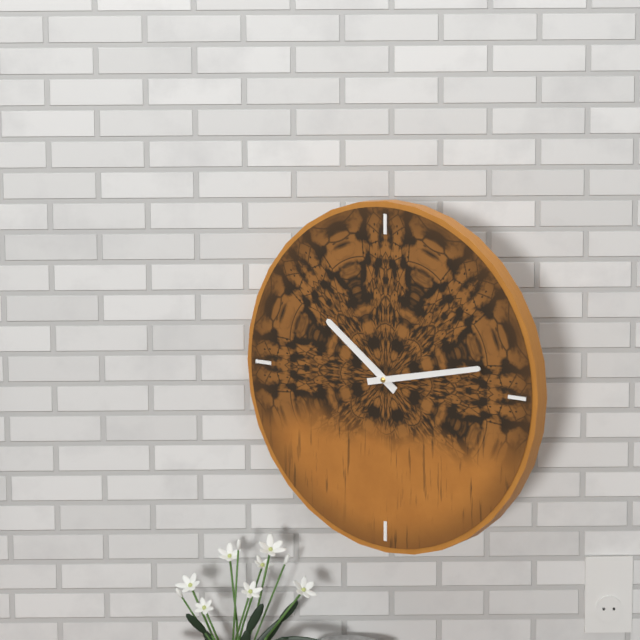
10 h 13 min
